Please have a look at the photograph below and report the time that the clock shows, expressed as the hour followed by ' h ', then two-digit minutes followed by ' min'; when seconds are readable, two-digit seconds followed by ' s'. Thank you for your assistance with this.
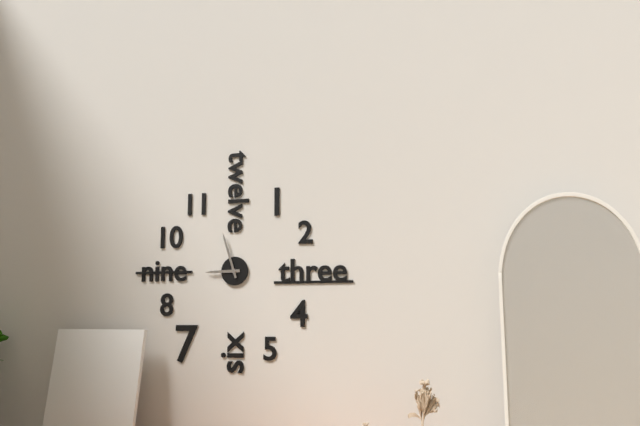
8 h 57 min
